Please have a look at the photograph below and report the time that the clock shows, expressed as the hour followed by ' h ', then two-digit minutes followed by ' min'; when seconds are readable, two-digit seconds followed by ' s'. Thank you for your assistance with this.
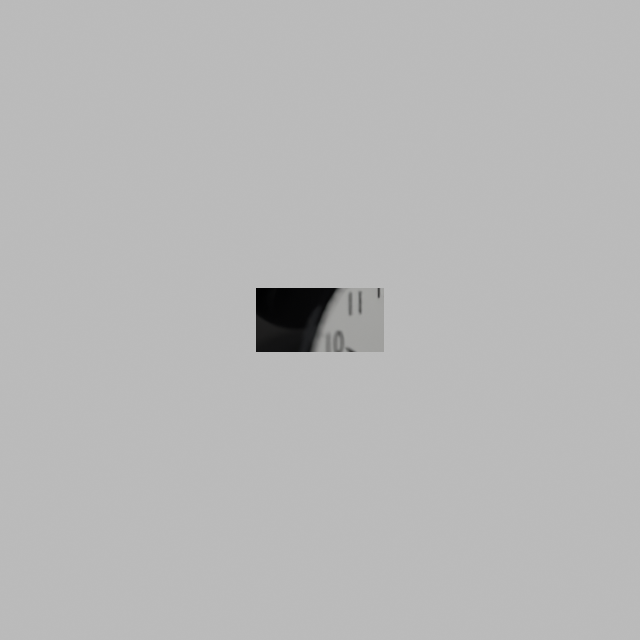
10 h 09 min 29 s
